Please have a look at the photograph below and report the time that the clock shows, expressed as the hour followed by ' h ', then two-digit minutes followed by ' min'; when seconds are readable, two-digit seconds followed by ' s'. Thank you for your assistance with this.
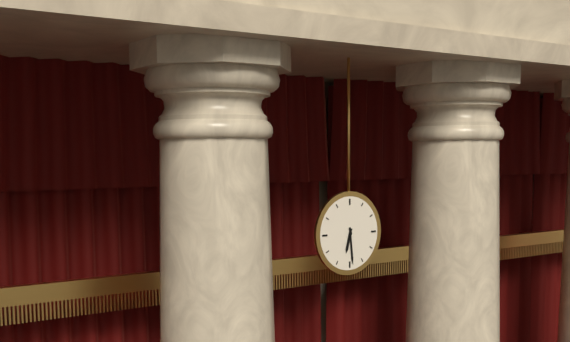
6 h 29 min
